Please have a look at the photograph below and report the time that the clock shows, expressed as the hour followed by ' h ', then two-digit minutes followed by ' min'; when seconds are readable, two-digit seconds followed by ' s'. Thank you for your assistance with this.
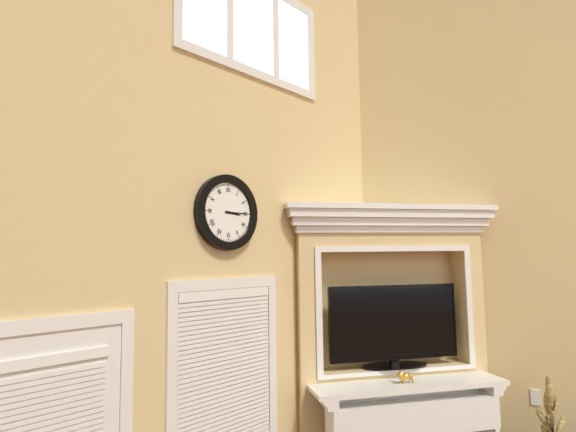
3 h 15 min
